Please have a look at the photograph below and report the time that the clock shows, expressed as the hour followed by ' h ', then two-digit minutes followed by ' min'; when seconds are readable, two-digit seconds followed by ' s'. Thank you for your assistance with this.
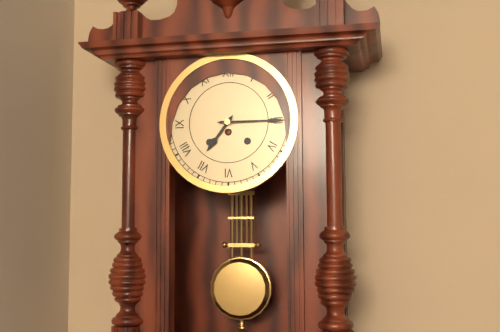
7 h 15 min
